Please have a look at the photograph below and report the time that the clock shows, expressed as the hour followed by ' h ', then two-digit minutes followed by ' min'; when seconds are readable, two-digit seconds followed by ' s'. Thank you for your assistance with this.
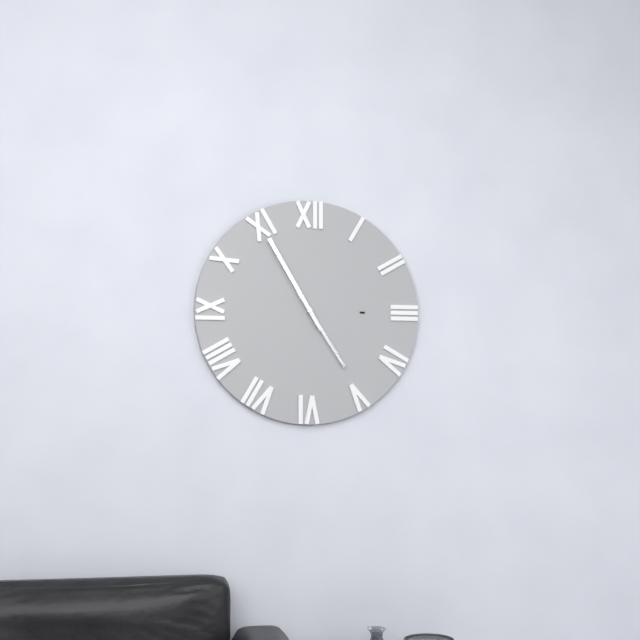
4 h 55 min
